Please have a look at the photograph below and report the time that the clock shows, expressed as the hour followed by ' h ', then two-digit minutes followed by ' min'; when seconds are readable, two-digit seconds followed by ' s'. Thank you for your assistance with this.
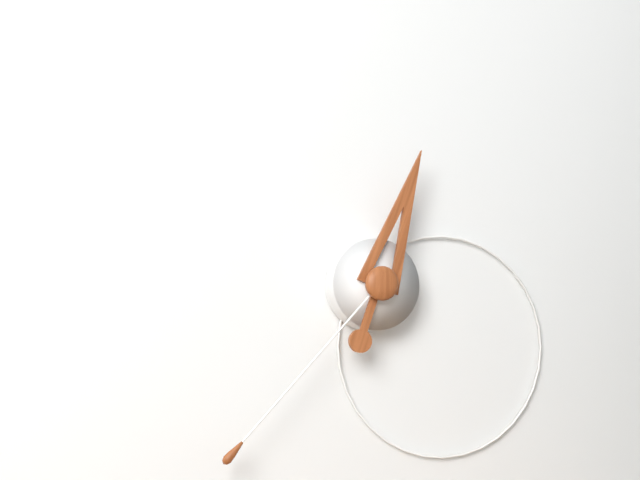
12 h 37 min
